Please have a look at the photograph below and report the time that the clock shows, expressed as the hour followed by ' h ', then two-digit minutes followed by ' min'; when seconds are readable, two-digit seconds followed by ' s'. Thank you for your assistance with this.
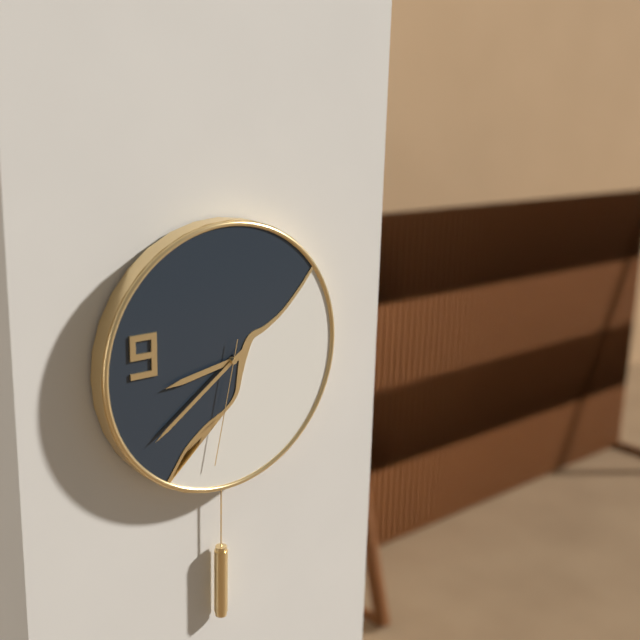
8 h 39 min 32 s
